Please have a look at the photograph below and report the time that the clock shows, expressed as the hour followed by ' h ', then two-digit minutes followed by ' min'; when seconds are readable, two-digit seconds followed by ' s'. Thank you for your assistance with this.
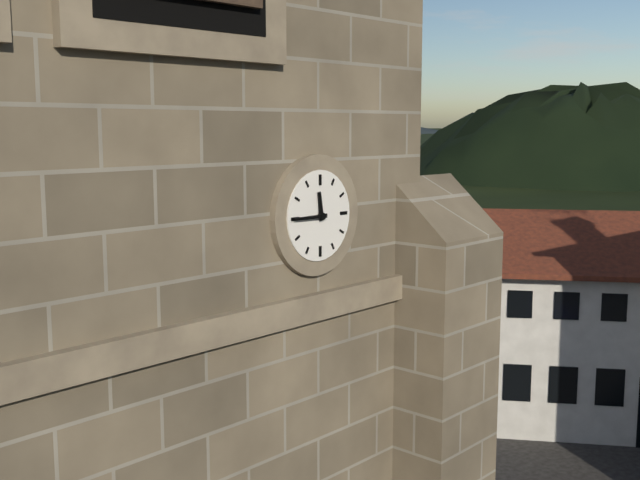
11 h 45 min
